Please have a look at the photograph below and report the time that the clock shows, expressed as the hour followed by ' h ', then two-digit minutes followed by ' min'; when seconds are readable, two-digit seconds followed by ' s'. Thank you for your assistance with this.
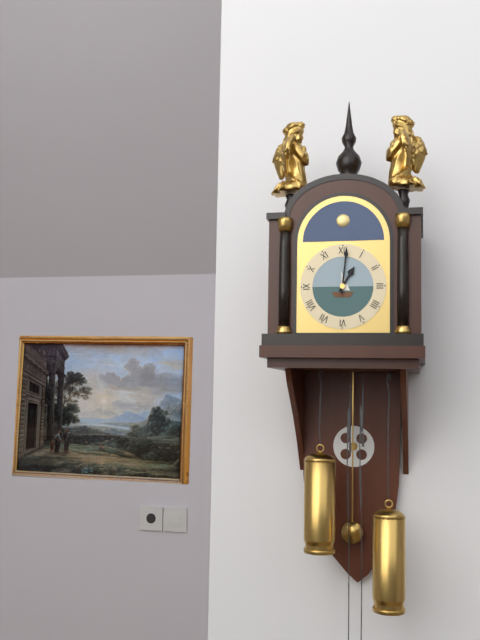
1 h 01 min
